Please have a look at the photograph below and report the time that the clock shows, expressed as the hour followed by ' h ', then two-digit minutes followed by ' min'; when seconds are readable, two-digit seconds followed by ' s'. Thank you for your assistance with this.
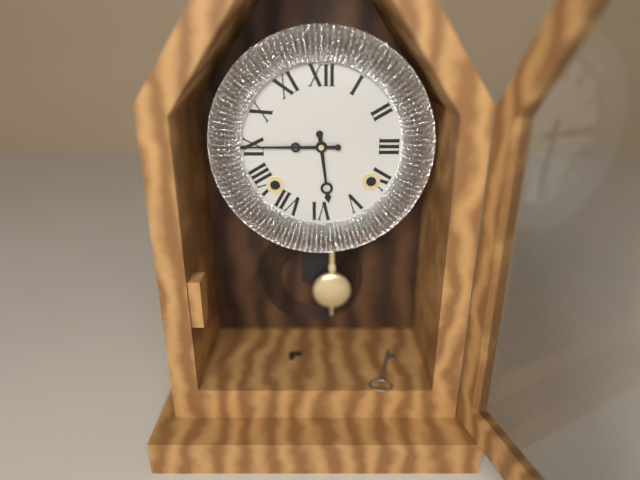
5 h 45 min
